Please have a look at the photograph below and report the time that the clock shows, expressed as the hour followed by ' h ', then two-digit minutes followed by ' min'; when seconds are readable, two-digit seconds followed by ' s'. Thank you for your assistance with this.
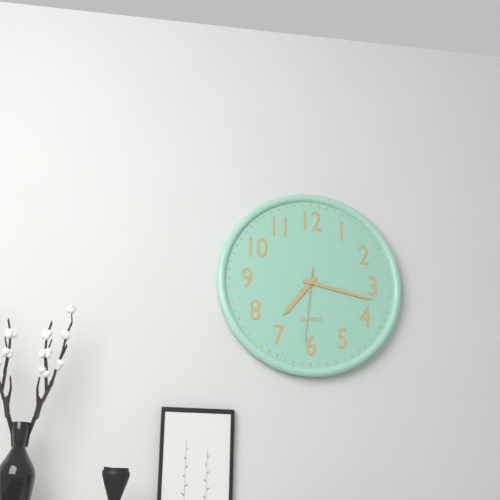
7 h 17 min 31 s
